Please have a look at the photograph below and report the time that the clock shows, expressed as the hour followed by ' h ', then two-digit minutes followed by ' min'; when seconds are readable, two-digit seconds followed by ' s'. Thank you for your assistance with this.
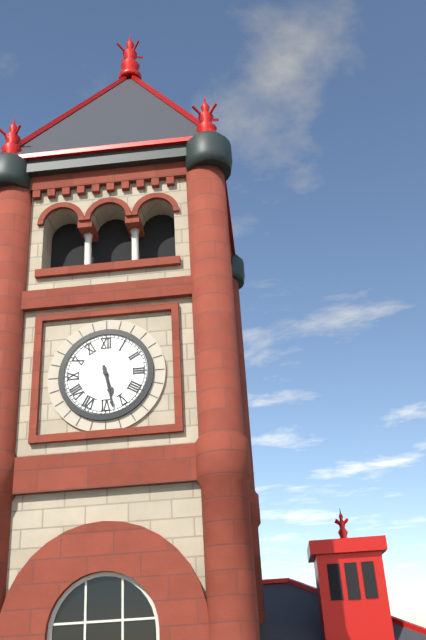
5 h 28 min
